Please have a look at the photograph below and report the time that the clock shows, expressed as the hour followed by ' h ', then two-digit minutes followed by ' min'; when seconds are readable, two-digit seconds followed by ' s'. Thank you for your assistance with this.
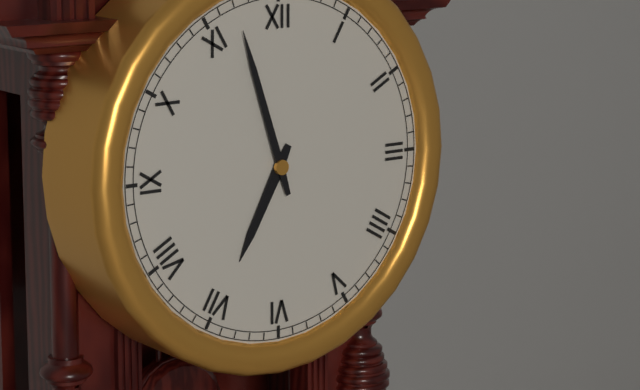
6 h 57 min
